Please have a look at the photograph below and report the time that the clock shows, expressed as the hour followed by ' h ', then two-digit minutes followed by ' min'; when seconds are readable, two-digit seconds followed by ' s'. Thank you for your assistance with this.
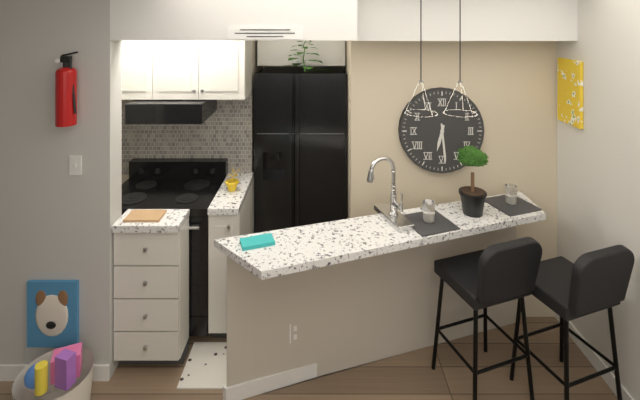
6 h 29 min
